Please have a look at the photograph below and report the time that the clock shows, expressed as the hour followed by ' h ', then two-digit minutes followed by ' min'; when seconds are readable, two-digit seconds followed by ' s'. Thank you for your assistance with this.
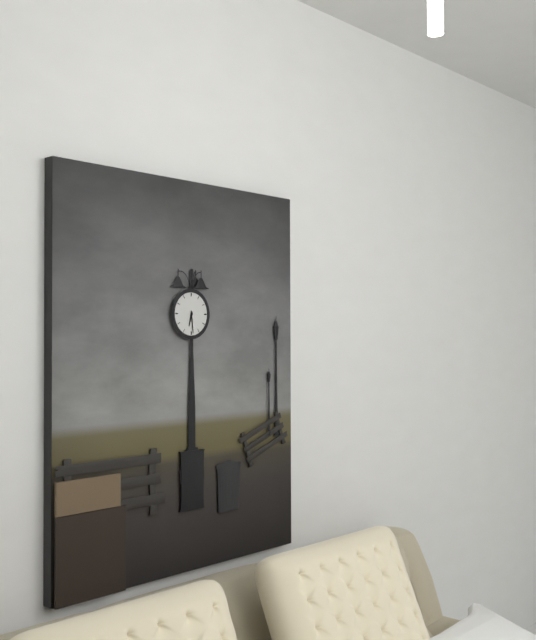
6 h 29 min
